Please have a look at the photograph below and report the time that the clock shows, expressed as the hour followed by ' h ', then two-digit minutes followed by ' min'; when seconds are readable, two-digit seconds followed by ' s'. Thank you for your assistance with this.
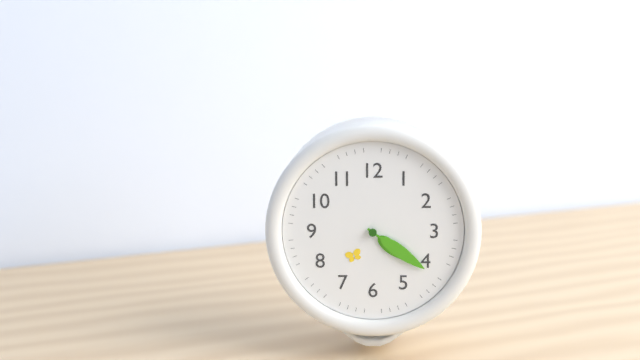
4 h 21 min
